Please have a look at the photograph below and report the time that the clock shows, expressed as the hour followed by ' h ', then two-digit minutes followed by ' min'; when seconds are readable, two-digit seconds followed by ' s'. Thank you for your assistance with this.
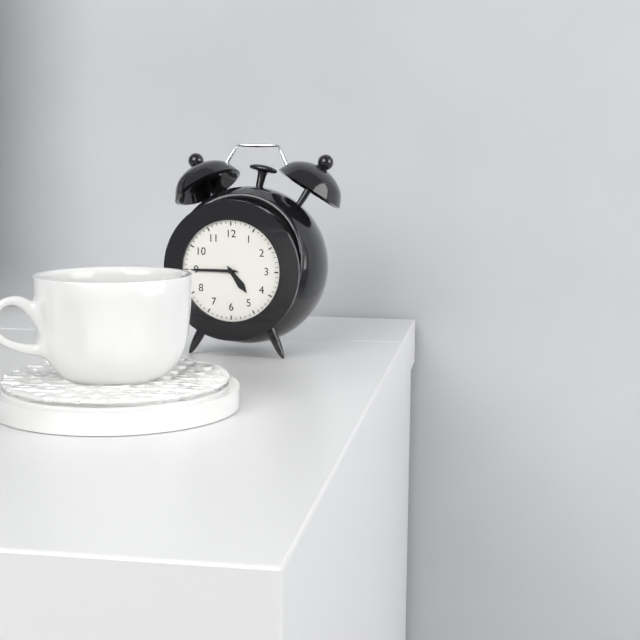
4 h 45 min
